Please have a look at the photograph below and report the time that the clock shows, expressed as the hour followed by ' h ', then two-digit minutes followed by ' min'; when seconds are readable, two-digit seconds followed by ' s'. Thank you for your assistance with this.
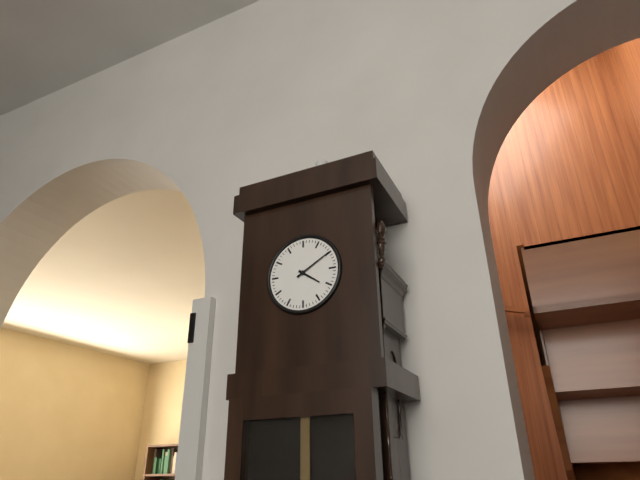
4 h 10 min
